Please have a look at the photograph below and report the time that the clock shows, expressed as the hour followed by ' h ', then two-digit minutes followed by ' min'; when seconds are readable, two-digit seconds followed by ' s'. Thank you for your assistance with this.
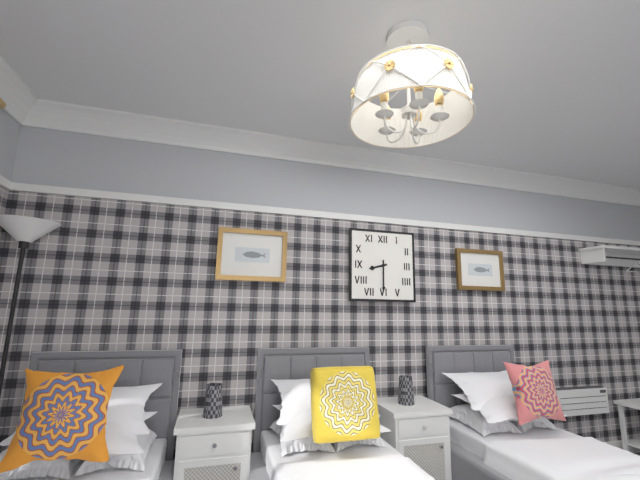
8 h 30 min
